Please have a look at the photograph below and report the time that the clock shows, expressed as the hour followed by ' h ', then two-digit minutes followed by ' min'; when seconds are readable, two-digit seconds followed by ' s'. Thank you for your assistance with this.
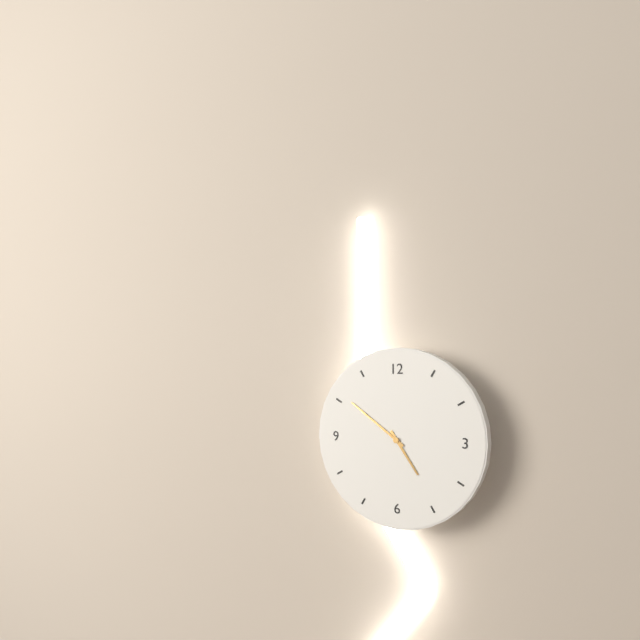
4 h 51 min
